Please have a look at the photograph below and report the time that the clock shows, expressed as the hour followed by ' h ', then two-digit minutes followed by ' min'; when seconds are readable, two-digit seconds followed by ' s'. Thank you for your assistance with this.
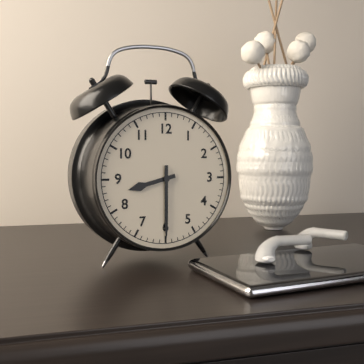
8 h 30 min
